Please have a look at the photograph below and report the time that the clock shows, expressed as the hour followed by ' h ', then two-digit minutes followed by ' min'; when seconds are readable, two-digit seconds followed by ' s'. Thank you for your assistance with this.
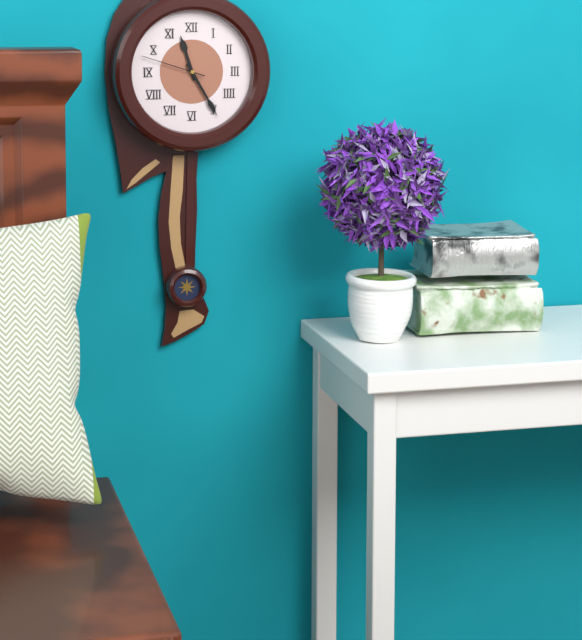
11 h 25 min 48 s
